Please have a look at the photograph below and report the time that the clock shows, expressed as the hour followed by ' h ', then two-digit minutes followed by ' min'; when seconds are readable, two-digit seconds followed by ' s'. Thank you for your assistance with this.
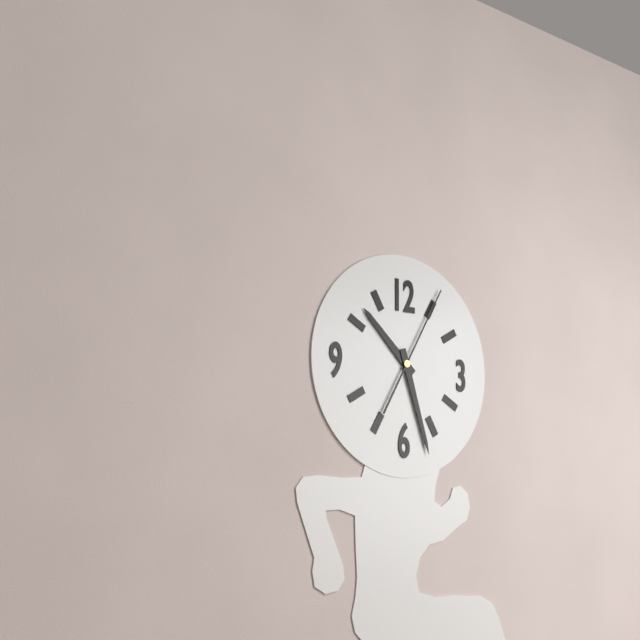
10 h 27 min 05 s
